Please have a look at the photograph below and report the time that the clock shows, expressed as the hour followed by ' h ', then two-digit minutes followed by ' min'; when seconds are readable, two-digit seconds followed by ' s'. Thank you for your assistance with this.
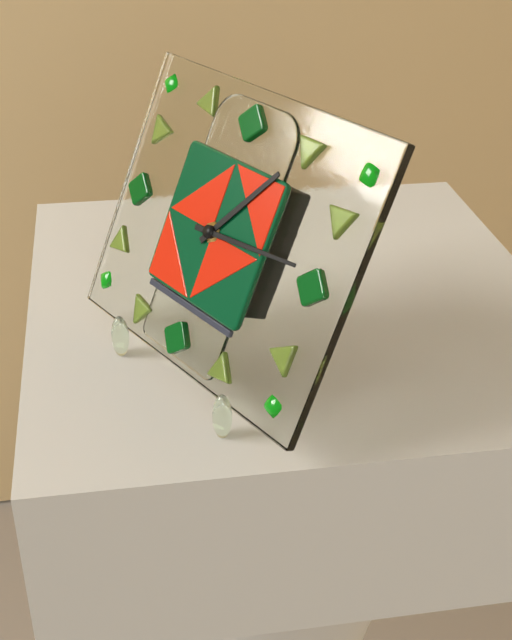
1 h 14 min
